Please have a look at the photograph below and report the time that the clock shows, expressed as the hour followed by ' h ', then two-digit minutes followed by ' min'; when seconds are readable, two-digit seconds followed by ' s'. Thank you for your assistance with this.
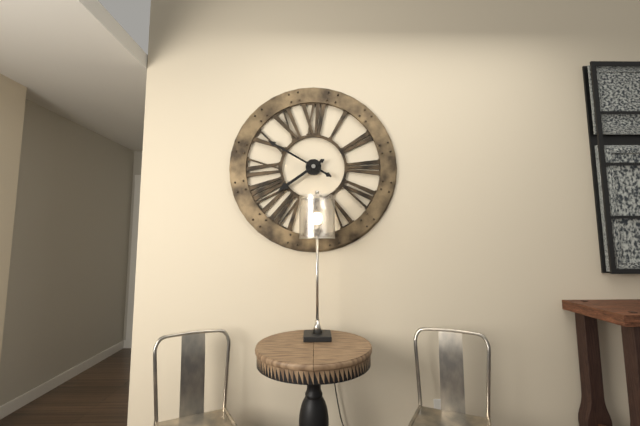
7 h 50 min
